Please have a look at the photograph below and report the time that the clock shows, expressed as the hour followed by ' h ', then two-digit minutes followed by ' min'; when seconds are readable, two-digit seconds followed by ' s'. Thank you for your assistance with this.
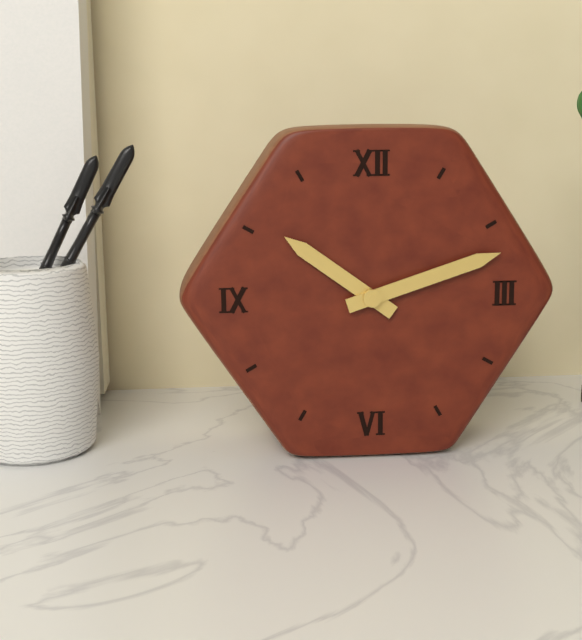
10 h 12 min
